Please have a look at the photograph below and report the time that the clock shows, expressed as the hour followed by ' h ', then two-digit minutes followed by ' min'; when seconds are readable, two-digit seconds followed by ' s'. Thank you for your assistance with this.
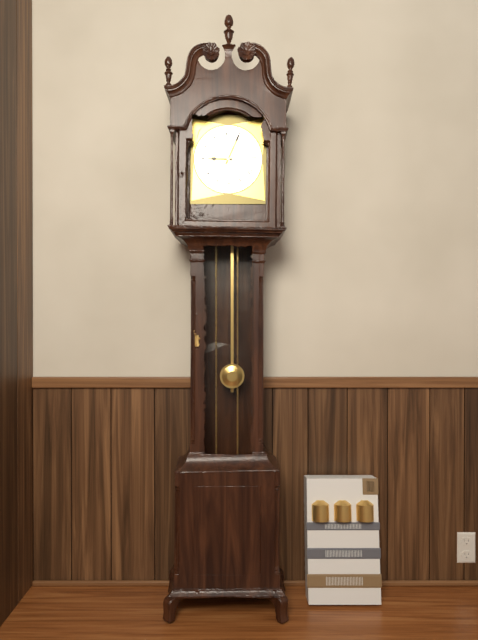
9 h 04 min
